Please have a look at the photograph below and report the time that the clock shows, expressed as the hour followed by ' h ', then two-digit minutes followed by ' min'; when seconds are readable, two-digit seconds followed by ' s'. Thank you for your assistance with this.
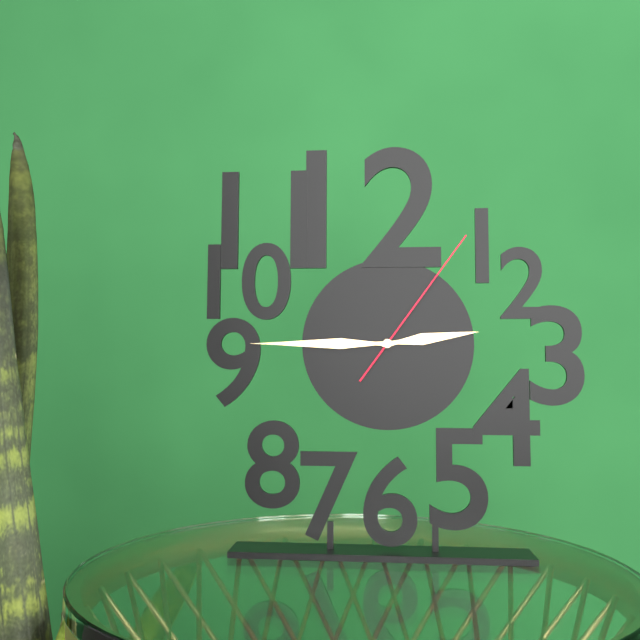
2 h 45 min 06 s
